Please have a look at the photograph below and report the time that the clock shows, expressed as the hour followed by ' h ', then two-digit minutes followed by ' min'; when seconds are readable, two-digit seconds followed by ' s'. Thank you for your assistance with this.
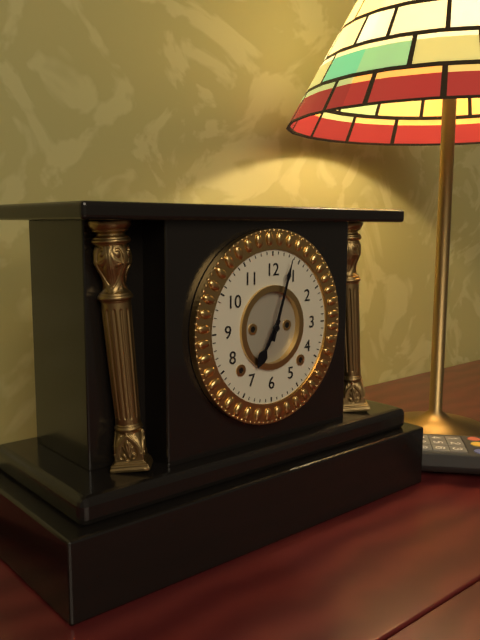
7 h 03 min
